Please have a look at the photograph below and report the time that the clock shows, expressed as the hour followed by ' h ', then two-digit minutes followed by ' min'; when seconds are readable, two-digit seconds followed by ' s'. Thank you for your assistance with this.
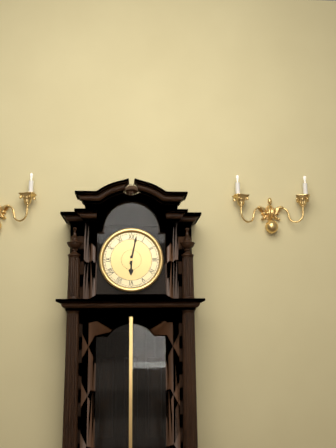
6 h 02 min
